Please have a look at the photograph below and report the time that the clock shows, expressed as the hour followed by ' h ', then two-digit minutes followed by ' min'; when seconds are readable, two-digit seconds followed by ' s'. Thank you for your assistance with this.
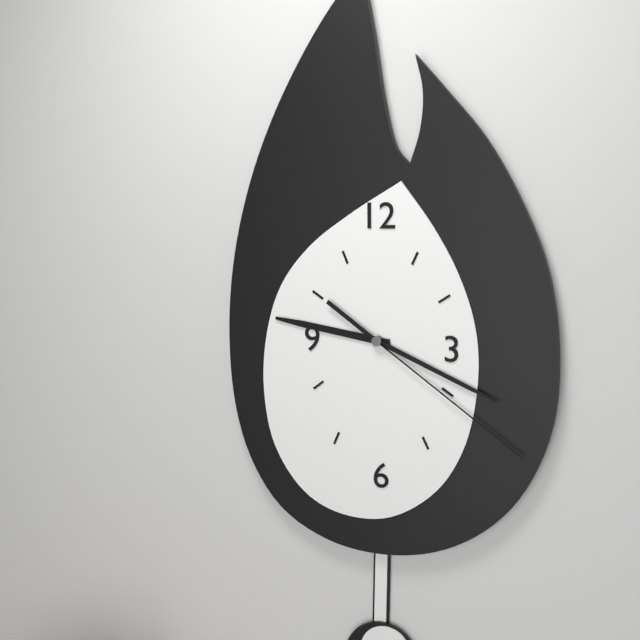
9 h 19 min 21 s
